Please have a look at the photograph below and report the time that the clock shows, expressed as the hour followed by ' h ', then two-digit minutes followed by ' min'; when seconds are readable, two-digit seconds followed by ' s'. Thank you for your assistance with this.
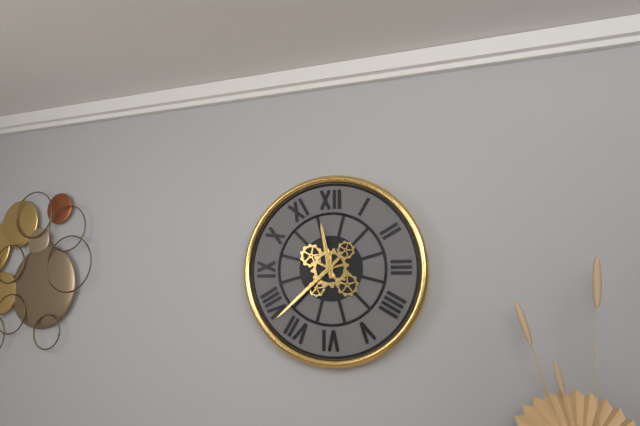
11 h 38 min
